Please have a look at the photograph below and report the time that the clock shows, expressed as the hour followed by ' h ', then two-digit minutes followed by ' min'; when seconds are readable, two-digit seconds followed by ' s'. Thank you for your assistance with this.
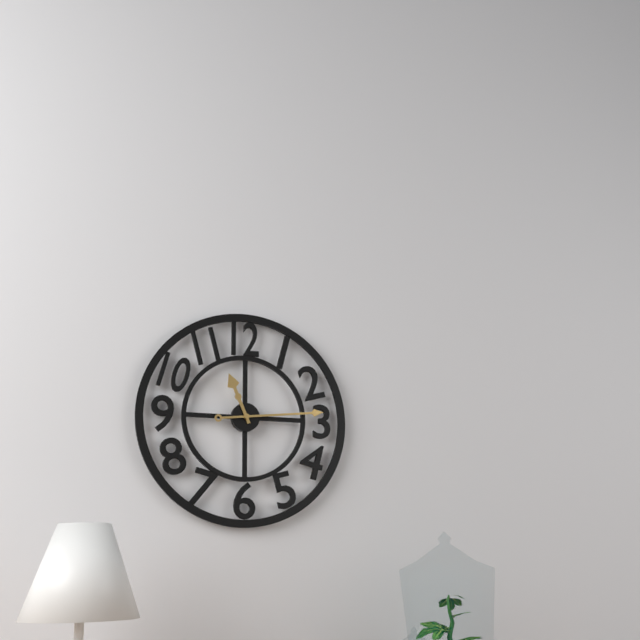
11 h 14 min
